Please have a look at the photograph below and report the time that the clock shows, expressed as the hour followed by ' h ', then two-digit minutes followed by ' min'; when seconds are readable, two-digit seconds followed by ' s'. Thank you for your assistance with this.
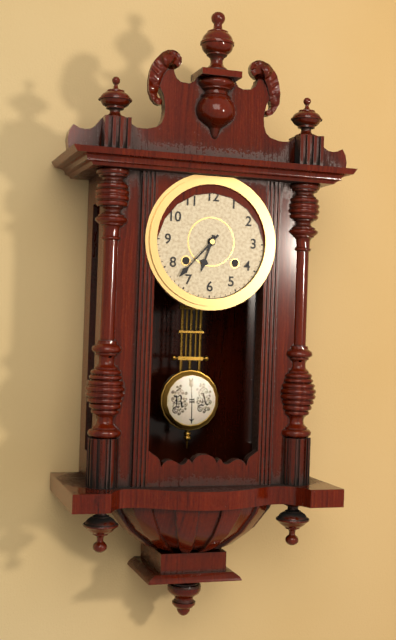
6 h 37 min
